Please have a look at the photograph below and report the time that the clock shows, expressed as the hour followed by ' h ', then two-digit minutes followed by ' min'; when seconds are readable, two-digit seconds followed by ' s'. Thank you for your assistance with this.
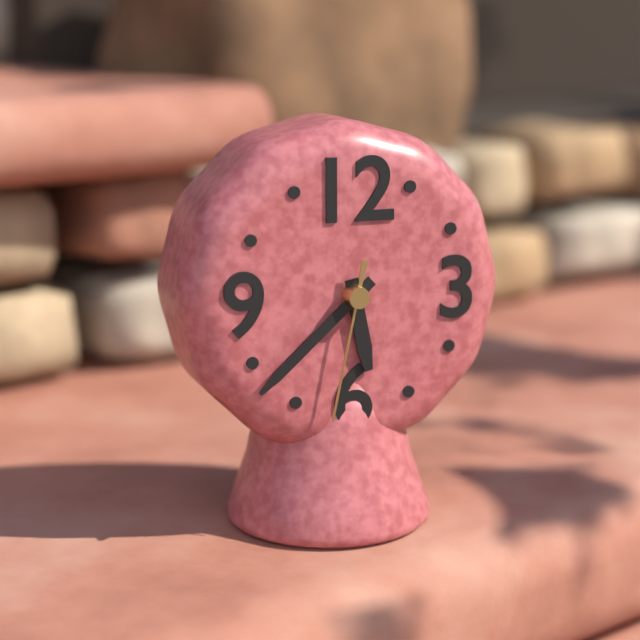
5 h 38 min 32 s
